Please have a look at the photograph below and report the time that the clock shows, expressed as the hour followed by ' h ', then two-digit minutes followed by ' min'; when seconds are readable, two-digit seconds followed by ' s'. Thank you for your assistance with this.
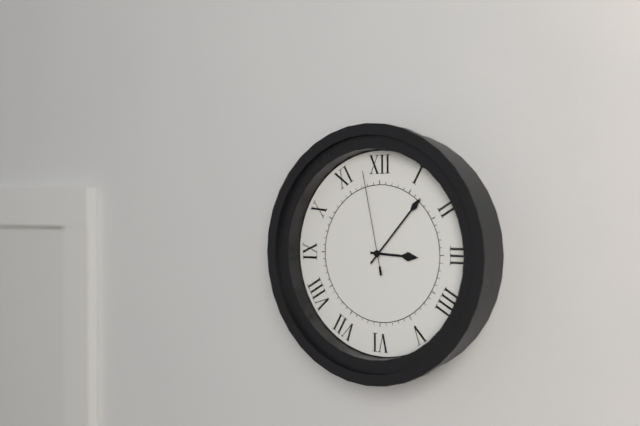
3 h 07 min 58 s
